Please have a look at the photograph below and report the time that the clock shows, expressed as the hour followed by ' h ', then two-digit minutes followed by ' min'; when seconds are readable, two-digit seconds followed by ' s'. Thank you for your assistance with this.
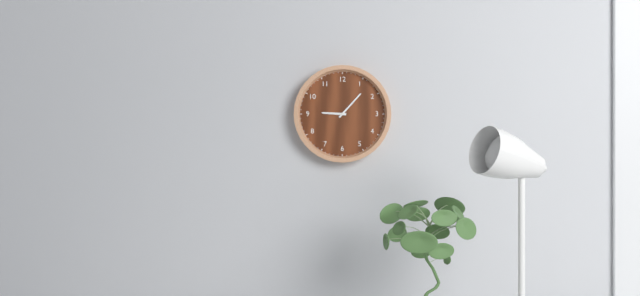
9 h 07 min
